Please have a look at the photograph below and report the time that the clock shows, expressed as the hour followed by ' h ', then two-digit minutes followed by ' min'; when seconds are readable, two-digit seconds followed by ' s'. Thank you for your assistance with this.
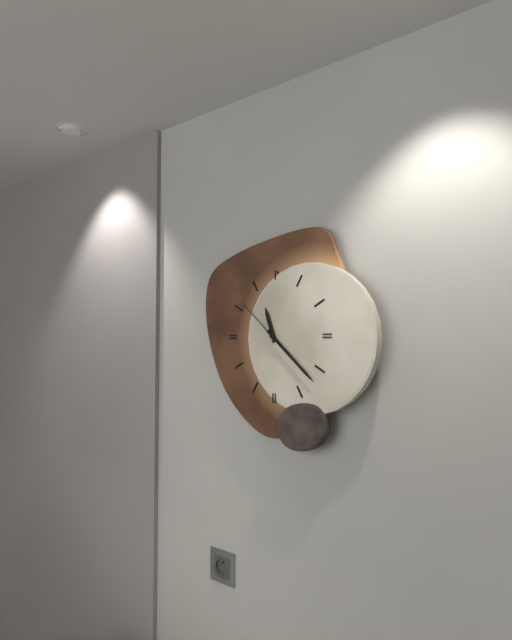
11 h 22 min 52 s
